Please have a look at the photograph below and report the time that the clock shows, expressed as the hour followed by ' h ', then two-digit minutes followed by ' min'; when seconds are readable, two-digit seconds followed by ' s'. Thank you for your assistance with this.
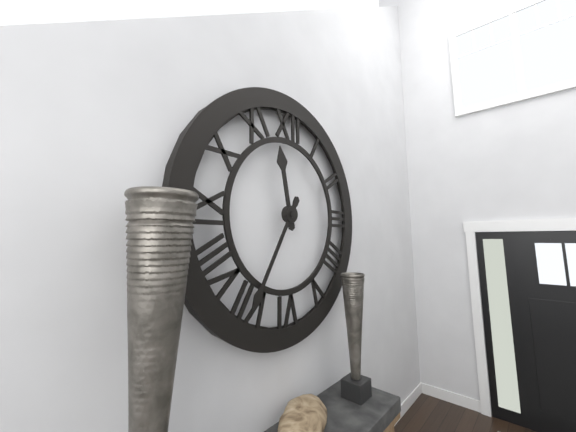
11 h 35 min
